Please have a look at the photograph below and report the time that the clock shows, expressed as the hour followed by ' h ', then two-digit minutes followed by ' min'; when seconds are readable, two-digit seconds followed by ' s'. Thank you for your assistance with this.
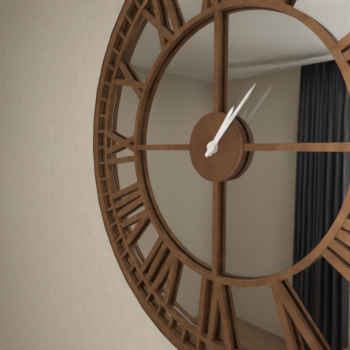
1 h 07 min
